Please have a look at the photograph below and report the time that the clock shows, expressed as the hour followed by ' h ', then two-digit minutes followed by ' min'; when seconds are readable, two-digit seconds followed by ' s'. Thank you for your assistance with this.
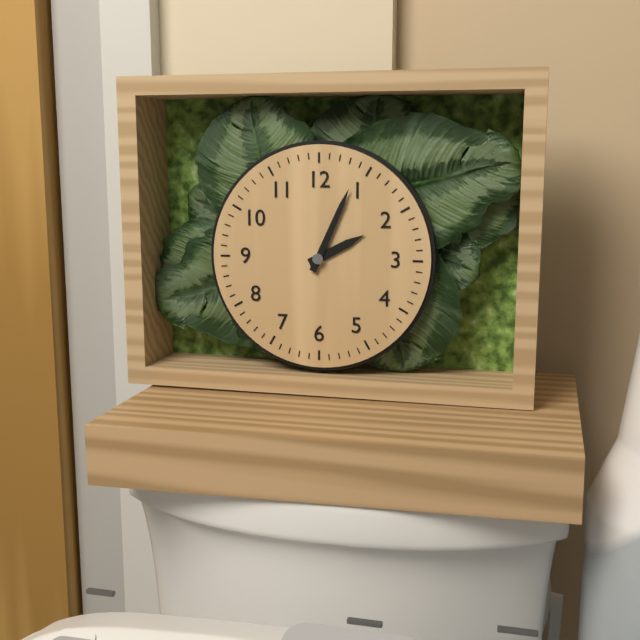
2 h 04 min
